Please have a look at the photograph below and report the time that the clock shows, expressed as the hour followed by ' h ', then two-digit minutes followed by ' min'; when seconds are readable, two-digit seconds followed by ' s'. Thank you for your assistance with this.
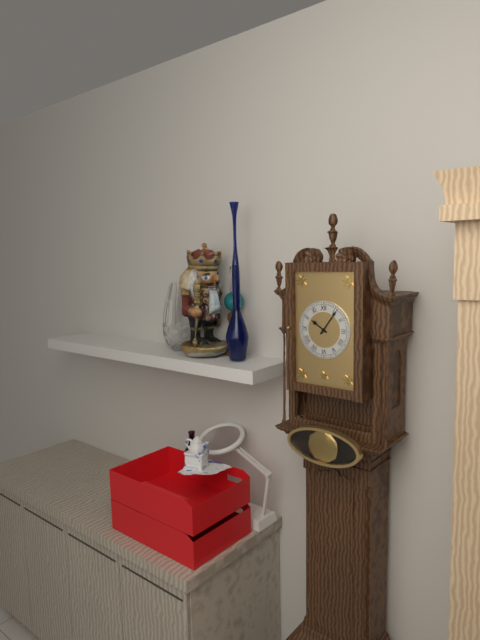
10 h 06 min
